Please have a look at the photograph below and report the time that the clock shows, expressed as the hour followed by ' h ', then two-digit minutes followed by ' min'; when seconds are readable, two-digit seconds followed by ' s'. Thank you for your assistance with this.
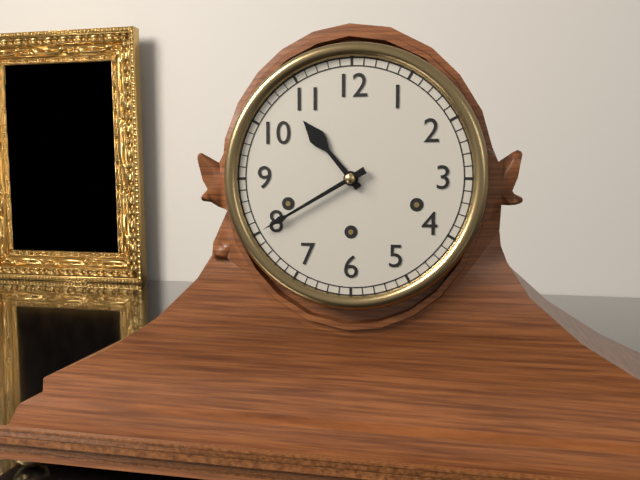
10 h 40 min
